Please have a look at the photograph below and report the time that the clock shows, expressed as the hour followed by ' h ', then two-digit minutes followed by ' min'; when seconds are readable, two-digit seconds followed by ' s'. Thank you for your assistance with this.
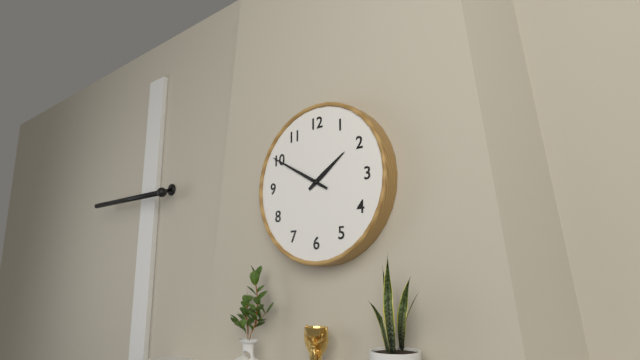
1 h 50 min
